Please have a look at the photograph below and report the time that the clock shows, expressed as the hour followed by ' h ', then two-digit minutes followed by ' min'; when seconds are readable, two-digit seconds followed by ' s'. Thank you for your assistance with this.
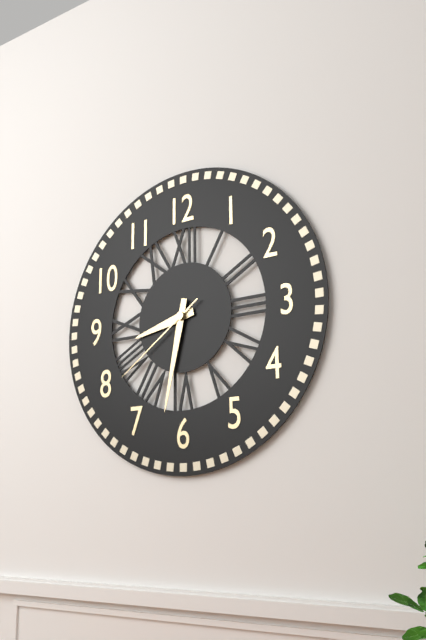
8 h 32 min 39 s
